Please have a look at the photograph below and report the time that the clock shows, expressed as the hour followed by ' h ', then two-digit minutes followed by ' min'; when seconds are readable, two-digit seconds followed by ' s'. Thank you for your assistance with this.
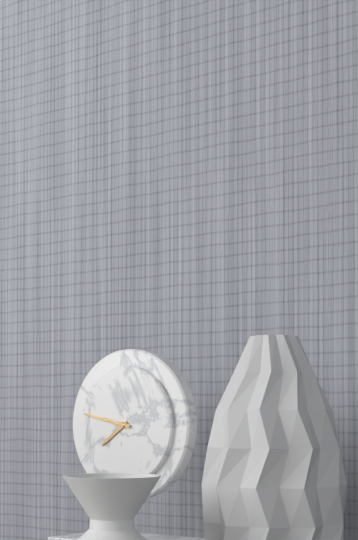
7 h 47 min
